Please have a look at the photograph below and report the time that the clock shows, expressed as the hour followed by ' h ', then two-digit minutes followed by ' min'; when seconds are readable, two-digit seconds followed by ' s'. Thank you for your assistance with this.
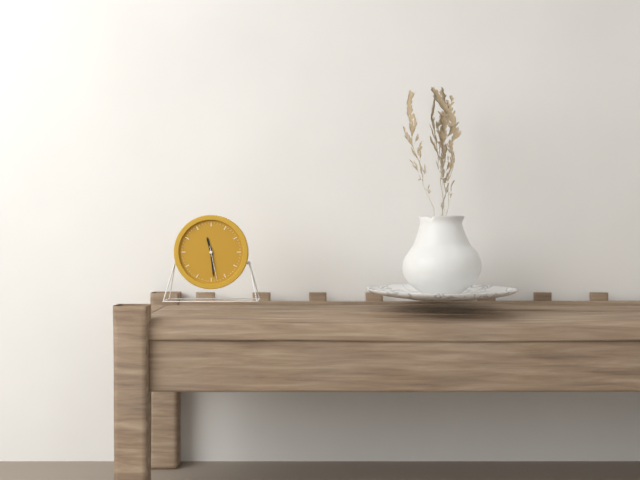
11 h 29 min
